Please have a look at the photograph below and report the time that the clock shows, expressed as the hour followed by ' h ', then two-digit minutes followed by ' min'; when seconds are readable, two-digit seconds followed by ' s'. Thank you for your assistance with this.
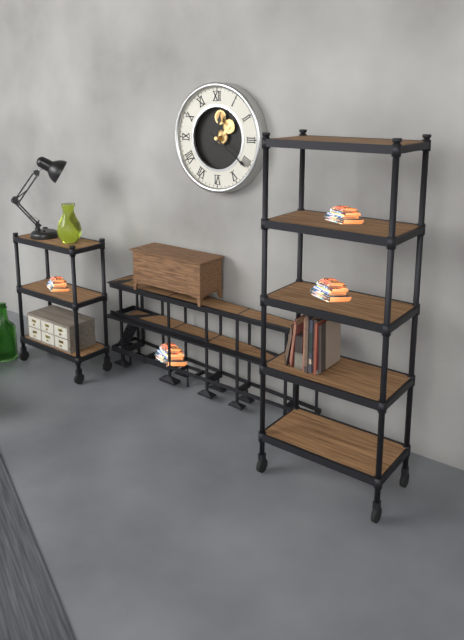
12 h 21 min
